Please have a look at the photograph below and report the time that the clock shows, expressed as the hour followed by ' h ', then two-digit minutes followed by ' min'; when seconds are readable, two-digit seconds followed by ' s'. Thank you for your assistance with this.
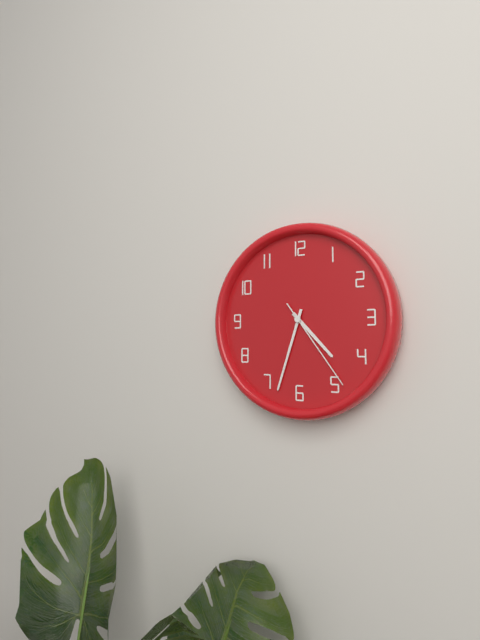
4 h 33 min 24 s
